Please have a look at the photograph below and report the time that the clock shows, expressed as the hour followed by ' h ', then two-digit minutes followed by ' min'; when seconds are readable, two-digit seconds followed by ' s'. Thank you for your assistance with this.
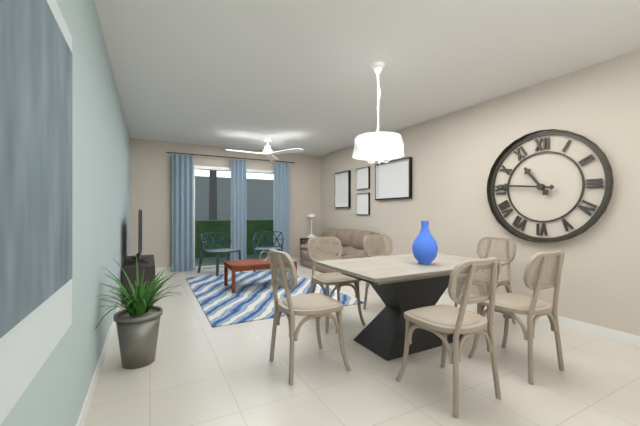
10 h 46 min
